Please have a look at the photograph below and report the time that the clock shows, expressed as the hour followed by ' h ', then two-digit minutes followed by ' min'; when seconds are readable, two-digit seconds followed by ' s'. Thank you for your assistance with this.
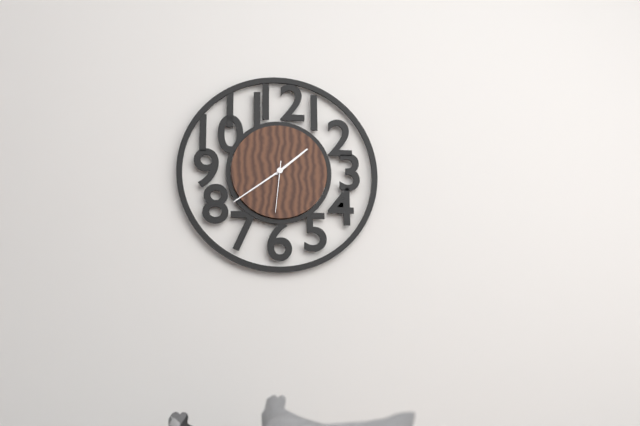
1 h 39 min 31 s
